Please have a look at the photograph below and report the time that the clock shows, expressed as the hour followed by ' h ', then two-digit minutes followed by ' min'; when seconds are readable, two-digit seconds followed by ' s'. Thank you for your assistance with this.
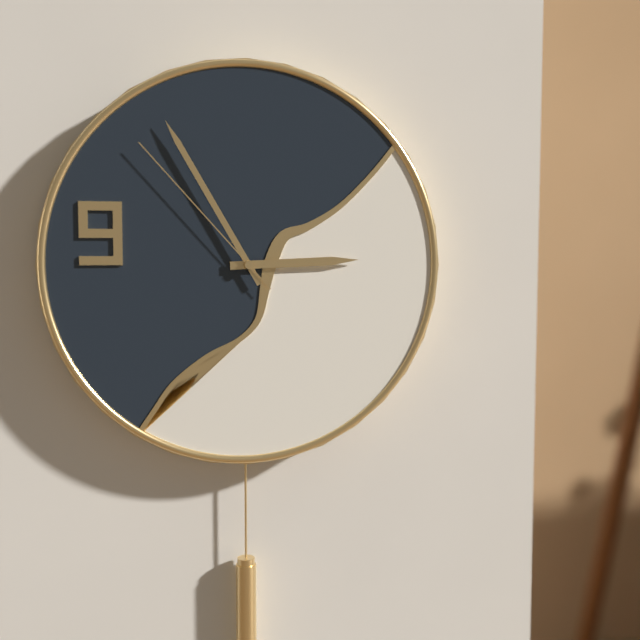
2 h 55 min 53 s
